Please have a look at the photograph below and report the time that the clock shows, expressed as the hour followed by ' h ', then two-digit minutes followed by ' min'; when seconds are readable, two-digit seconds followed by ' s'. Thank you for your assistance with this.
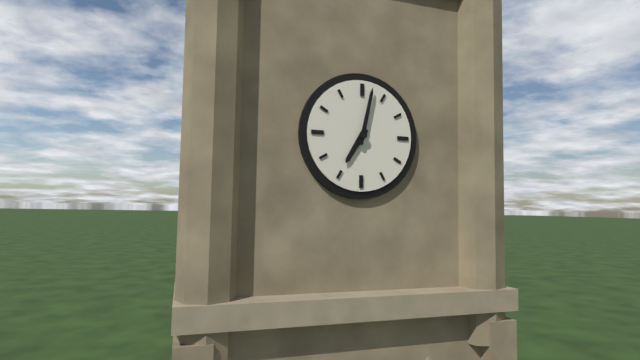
7 h 02 min
